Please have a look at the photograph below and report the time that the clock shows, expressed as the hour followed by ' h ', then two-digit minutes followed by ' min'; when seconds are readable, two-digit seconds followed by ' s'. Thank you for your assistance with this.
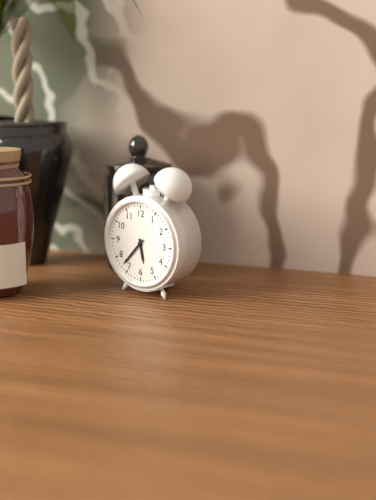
5 h 37 min
